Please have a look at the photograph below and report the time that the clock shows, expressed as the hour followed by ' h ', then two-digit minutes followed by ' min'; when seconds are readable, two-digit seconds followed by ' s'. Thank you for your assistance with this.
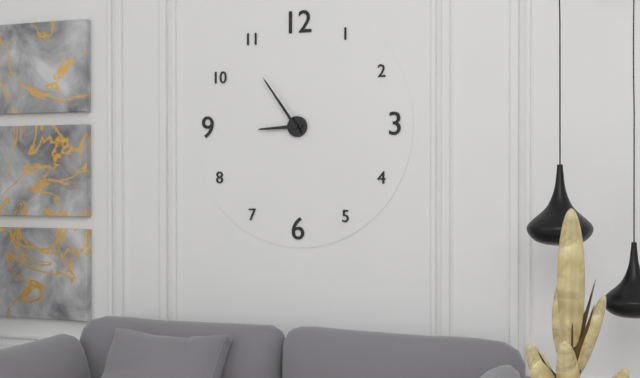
8 h 54 min
